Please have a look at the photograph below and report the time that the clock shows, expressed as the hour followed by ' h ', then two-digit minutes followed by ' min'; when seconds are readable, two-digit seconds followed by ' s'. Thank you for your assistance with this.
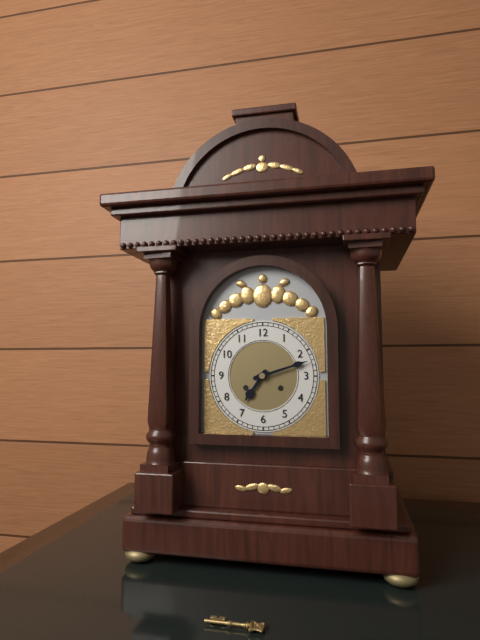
7 h 12 min
